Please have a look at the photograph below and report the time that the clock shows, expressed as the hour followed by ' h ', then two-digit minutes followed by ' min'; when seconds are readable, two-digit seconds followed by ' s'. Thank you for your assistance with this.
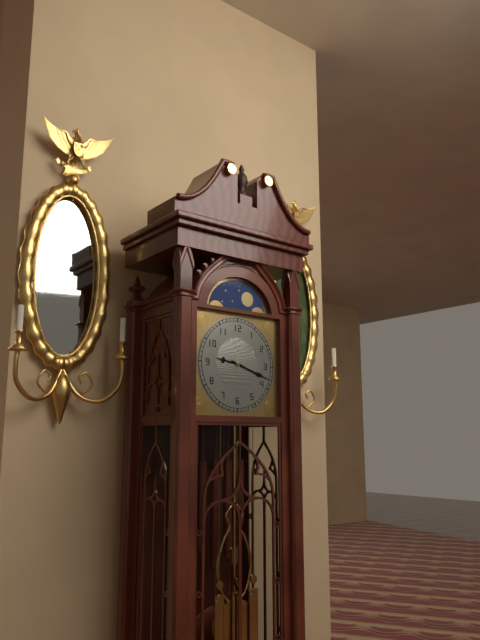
9 h 18 min
